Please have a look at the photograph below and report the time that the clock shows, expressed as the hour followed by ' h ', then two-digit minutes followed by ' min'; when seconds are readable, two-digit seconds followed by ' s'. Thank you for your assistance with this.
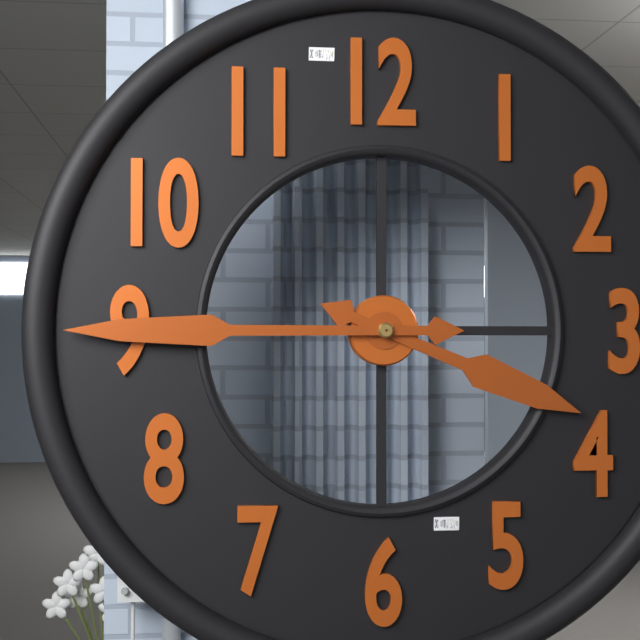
3 h 45 min
